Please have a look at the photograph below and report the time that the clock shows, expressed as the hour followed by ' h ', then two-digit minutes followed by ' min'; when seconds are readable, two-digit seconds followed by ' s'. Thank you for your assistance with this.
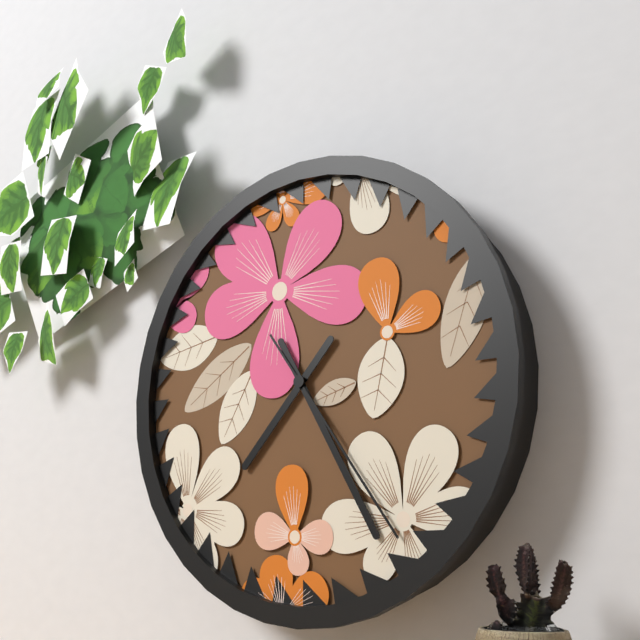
7 h 25 min 24 s
